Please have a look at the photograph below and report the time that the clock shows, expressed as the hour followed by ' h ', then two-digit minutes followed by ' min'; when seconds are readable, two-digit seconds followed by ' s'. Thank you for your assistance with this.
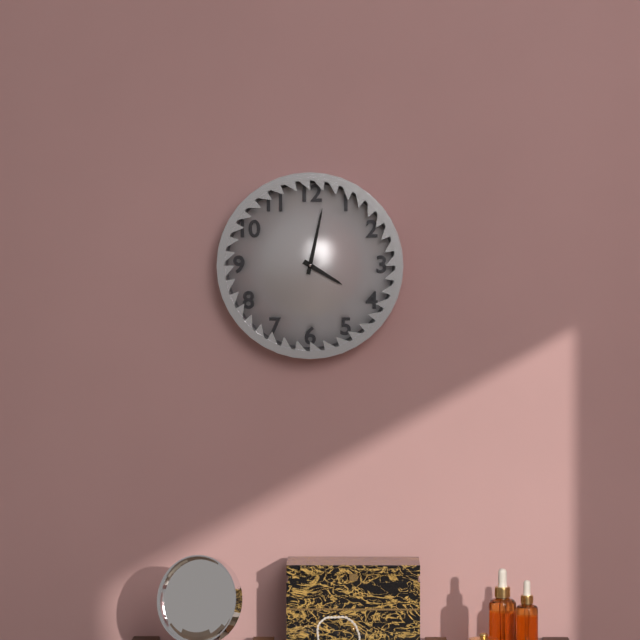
4 h 02 min
